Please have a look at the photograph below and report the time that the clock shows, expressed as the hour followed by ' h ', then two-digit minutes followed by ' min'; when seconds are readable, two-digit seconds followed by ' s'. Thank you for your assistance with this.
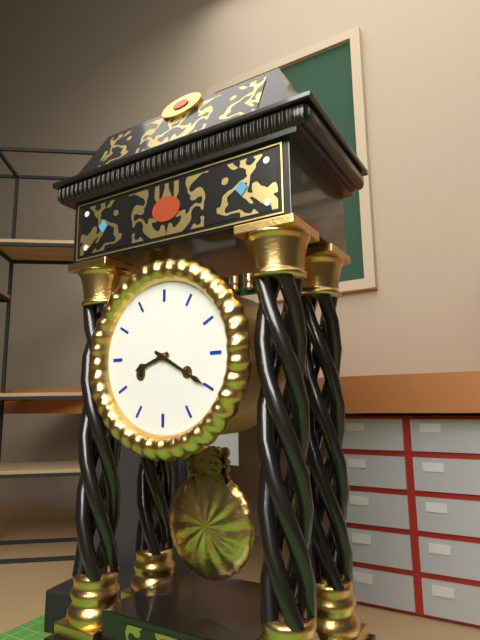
8 h 20 min
